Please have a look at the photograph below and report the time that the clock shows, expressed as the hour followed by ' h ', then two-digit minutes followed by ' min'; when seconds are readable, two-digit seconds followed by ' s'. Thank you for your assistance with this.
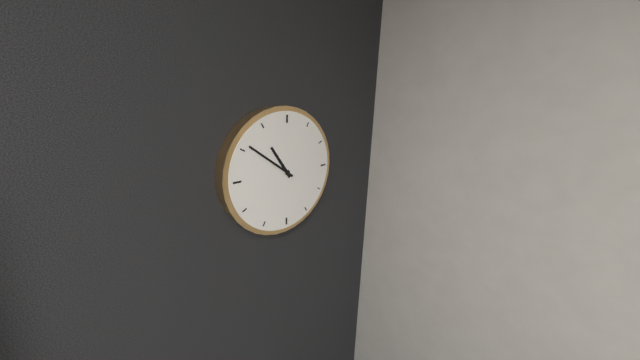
10 h 51 min
